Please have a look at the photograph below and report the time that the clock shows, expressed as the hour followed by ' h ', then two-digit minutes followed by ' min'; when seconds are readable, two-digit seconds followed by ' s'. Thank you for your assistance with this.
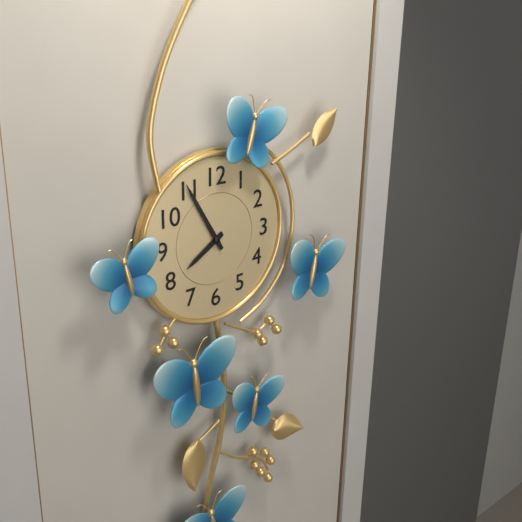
7 h 55 min
